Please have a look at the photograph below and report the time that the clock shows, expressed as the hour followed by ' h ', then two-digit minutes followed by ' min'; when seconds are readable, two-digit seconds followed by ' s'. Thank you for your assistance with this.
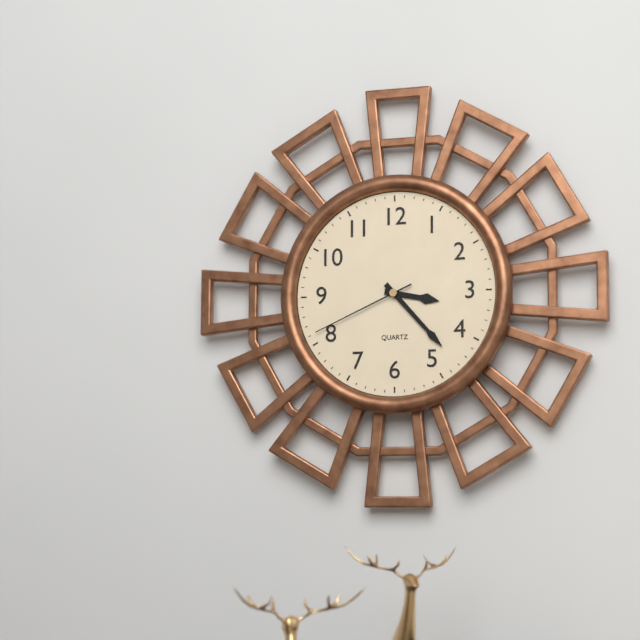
3 h 23 min 41 s
